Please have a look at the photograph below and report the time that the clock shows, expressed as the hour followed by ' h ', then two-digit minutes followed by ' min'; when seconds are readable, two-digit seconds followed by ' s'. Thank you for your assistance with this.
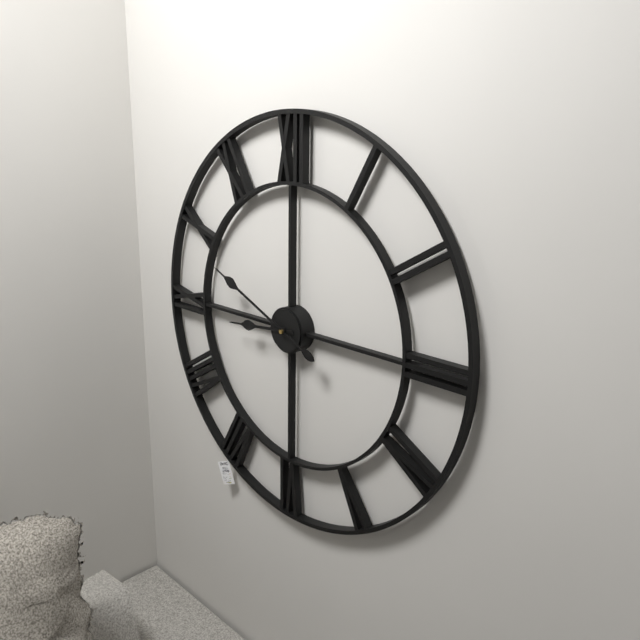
8 h 49 min
